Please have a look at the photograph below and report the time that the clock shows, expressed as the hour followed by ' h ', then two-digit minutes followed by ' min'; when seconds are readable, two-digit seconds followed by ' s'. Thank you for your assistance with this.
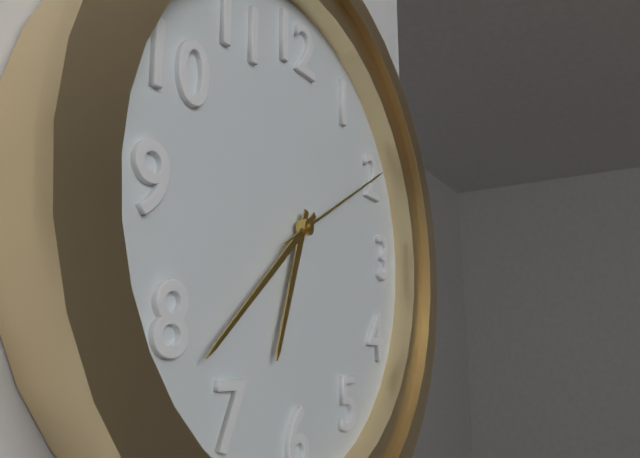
6 h 38 min 10 s
